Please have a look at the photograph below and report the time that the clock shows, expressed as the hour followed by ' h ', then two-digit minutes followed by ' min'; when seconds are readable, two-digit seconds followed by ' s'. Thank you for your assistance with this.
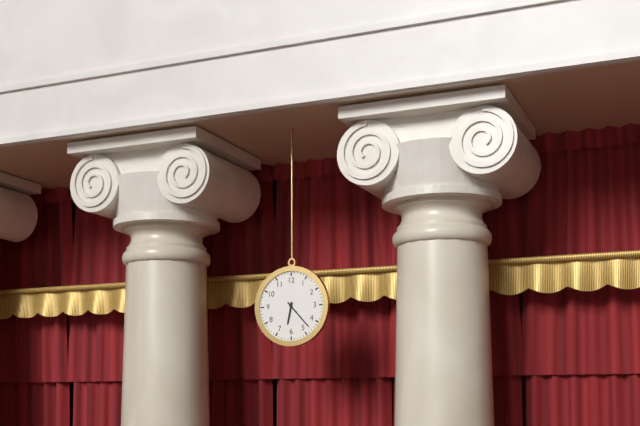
6 h 23 min
